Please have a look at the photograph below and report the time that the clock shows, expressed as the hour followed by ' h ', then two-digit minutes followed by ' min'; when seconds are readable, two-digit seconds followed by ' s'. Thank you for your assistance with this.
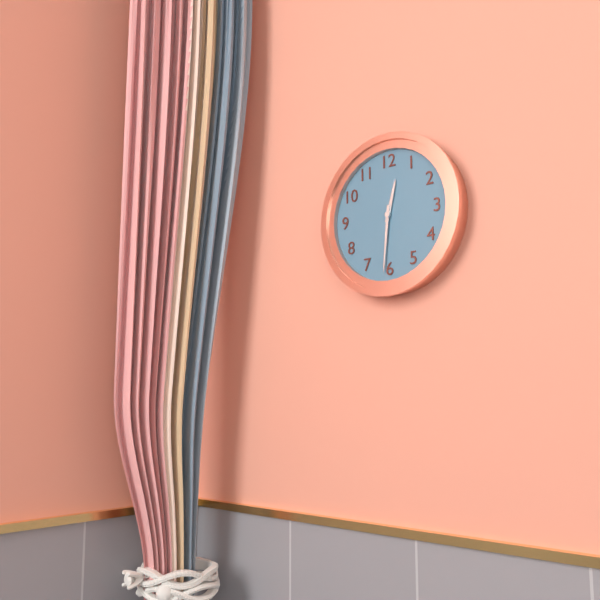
12 h 31 min
